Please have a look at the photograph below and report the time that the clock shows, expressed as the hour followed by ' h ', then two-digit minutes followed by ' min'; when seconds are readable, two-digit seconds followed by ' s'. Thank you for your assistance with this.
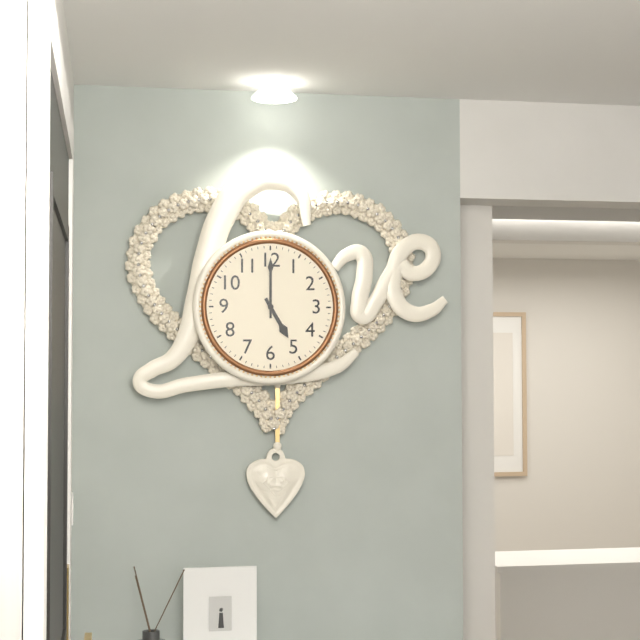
5 h 00 min
